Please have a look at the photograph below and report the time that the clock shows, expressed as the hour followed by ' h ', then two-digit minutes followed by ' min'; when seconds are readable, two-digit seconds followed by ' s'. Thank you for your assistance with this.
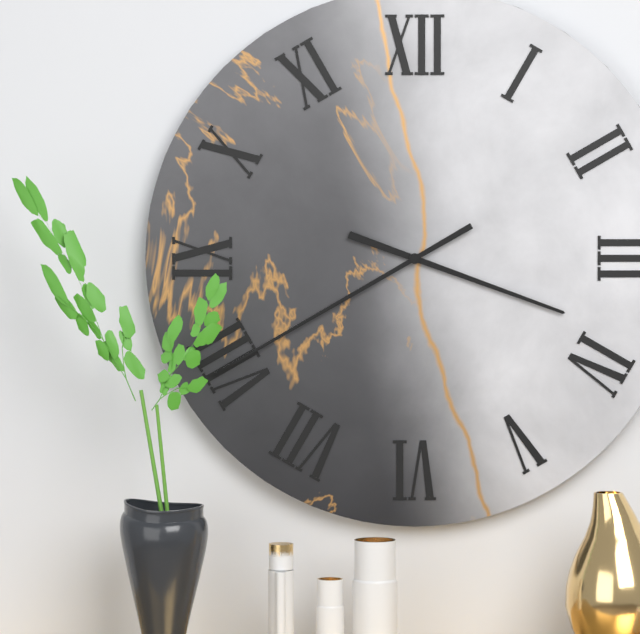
3 h 40 min
